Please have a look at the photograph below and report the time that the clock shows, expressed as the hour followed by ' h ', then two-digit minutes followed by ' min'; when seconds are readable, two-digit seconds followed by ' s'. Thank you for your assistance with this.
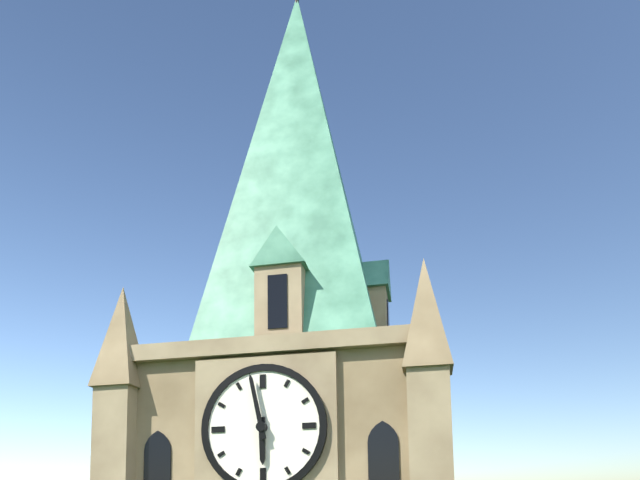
5 h 58 min
